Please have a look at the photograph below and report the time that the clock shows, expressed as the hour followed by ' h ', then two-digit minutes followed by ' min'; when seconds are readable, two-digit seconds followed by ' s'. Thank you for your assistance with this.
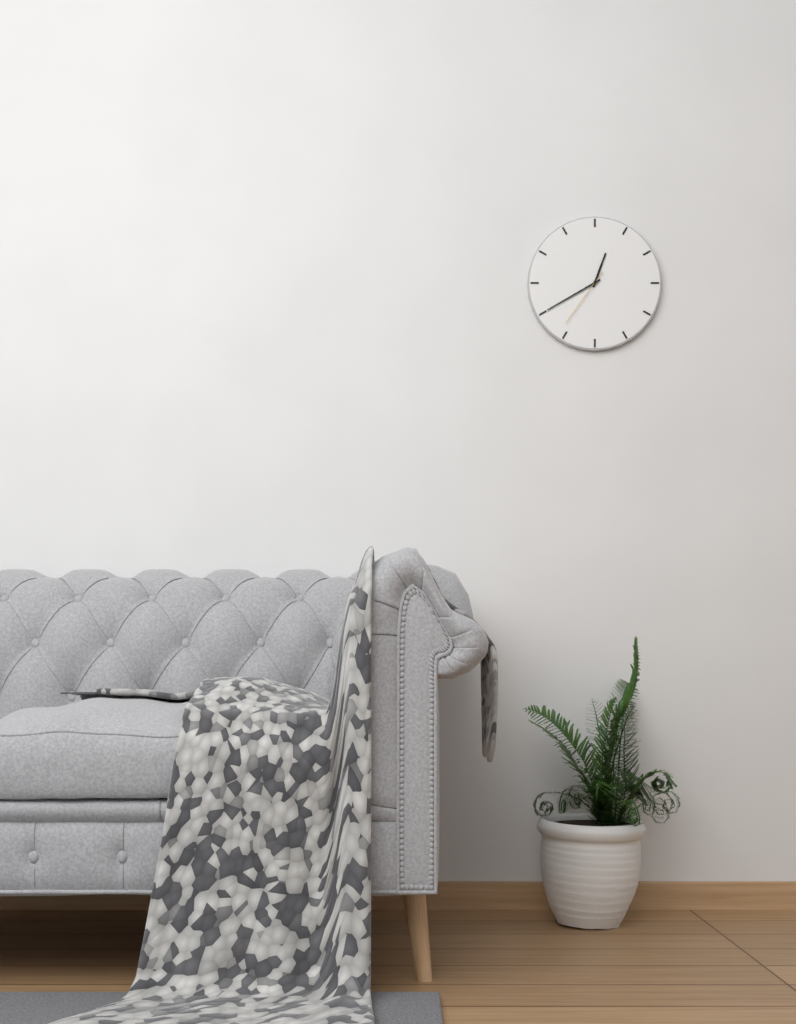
12 h 40 min 36 s
